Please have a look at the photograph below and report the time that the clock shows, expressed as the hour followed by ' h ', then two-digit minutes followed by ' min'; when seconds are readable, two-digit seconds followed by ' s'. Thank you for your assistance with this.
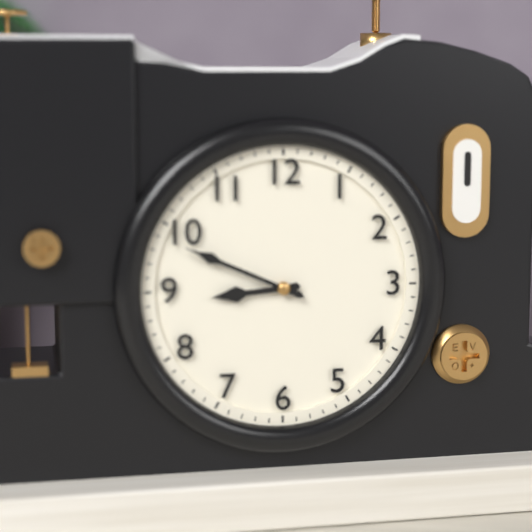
8 h 49 min
